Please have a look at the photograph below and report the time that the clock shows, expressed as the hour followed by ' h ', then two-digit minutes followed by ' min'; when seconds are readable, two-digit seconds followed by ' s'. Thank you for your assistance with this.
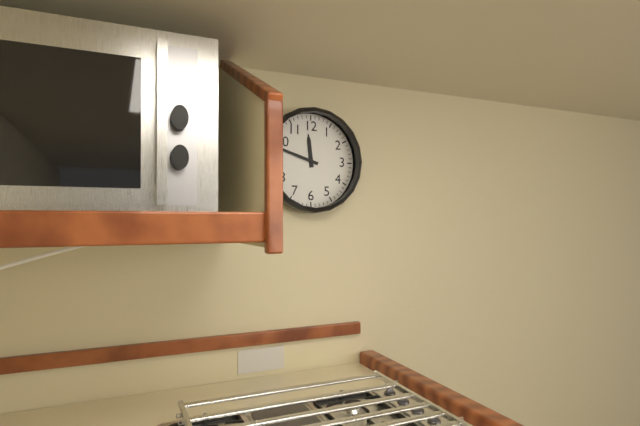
11 h 48 min
